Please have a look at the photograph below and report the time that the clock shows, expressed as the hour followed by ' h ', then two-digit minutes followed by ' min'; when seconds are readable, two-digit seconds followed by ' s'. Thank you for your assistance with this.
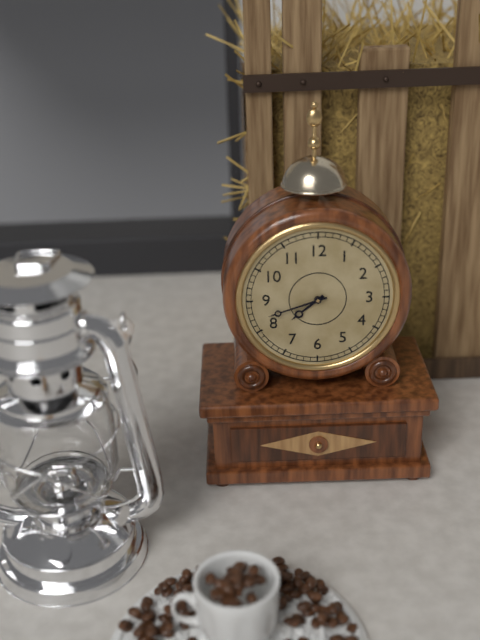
7 h 42 min
